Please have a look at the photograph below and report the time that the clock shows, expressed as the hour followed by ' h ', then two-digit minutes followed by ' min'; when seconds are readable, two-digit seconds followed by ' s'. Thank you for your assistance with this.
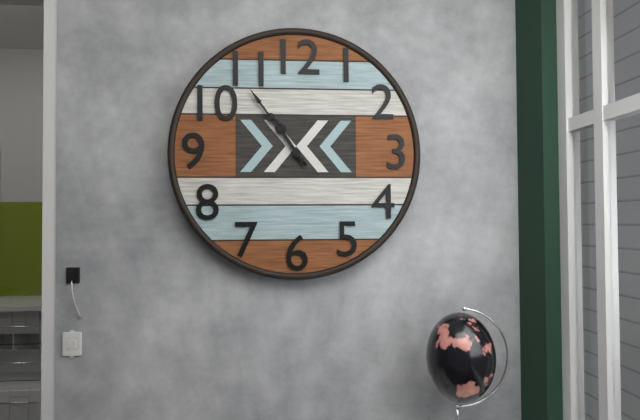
10 h 54 min
